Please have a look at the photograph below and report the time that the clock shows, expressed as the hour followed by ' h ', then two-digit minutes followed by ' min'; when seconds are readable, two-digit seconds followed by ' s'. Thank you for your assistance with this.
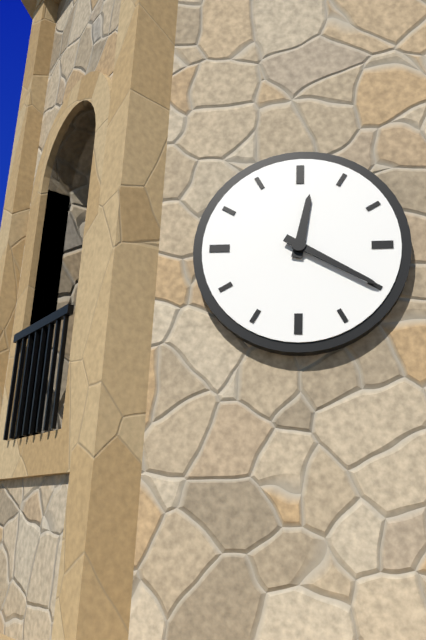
12 h 20 min
